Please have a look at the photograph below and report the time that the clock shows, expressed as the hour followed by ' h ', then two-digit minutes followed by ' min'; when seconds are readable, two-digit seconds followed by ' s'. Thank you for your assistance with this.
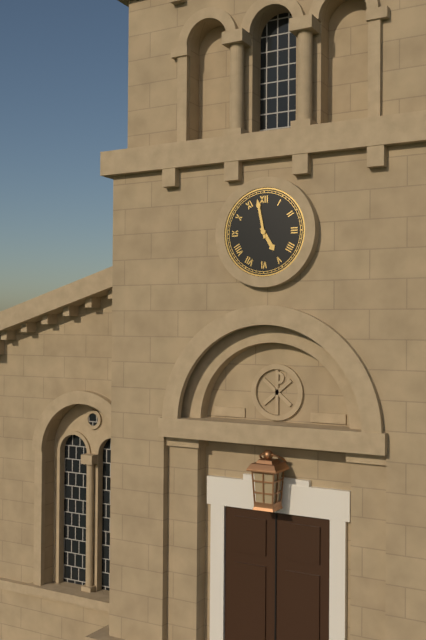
4 h 58 min
